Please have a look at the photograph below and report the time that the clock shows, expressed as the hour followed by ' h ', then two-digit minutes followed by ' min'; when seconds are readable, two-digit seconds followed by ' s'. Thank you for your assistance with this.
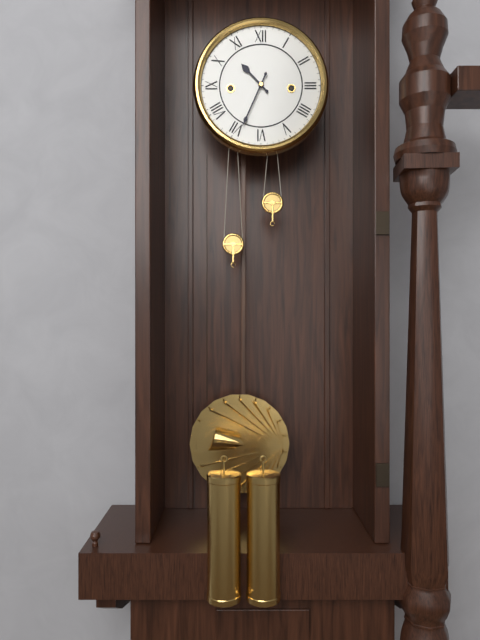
10 h 34 min
